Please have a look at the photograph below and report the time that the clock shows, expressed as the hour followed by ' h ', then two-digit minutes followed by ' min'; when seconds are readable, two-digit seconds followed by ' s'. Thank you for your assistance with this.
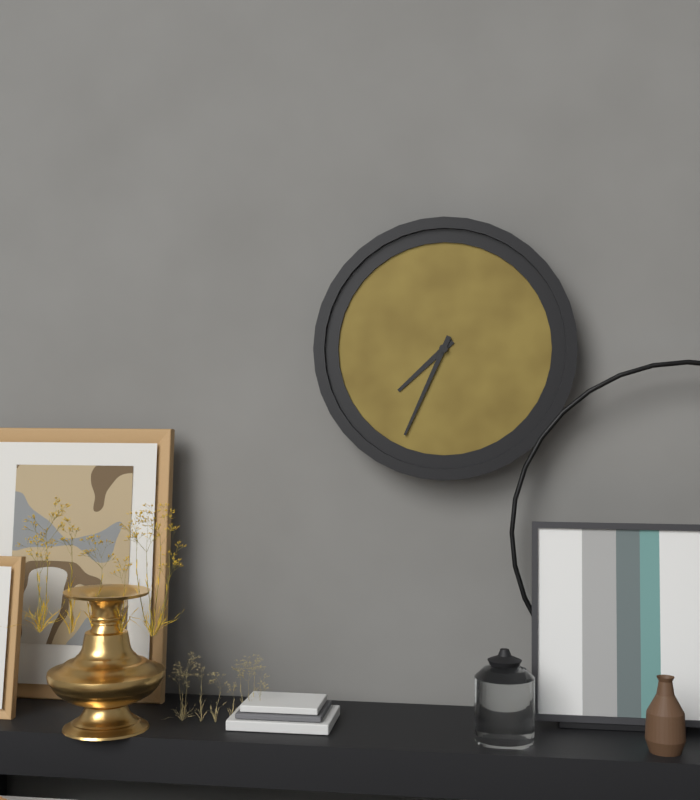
7 h 34 min
